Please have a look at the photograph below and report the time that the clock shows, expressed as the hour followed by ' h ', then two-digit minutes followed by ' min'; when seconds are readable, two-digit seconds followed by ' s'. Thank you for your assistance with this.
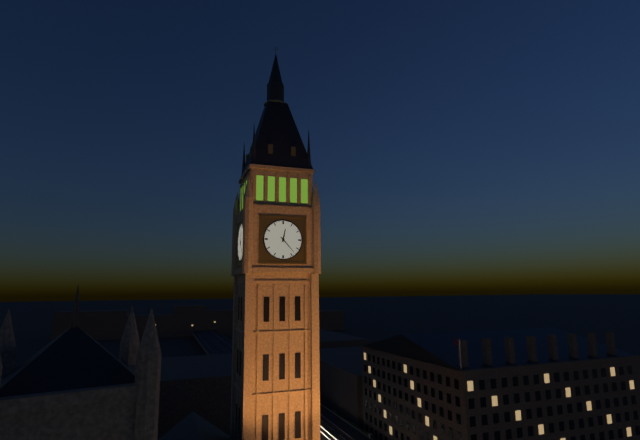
12 h 23 min
